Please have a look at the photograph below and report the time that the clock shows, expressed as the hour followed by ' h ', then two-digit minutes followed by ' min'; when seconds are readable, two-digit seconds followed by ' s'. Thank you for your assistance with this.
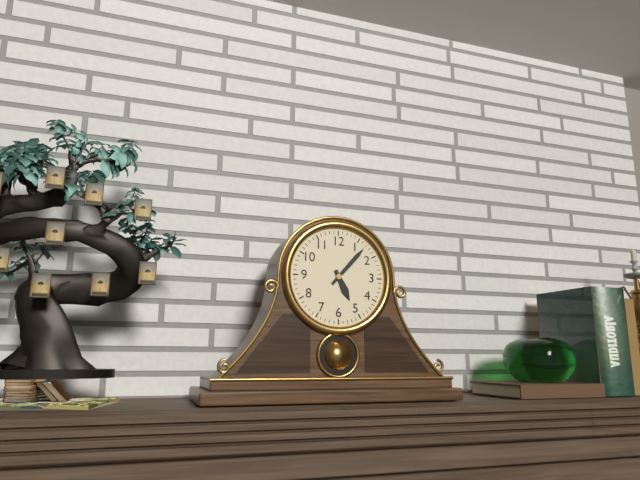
5 h 07 min
